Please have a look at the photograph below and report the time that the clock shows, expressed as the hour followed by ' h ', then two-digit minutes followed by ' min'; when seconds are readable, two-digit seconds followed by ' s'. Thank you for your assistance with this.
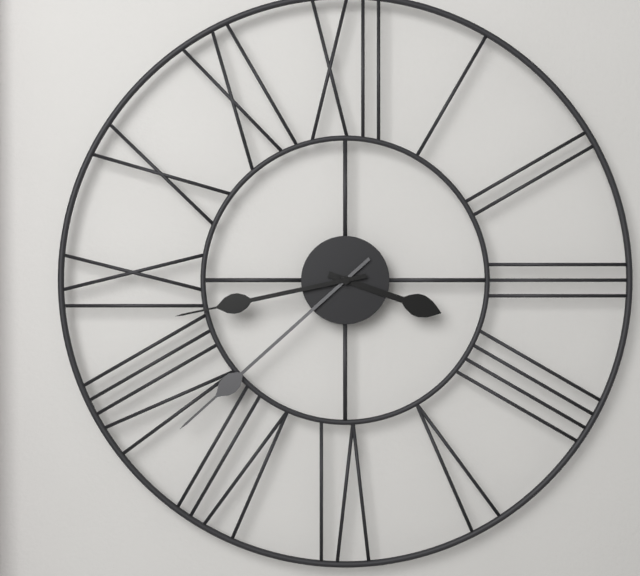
3 h 38 min 43 s
